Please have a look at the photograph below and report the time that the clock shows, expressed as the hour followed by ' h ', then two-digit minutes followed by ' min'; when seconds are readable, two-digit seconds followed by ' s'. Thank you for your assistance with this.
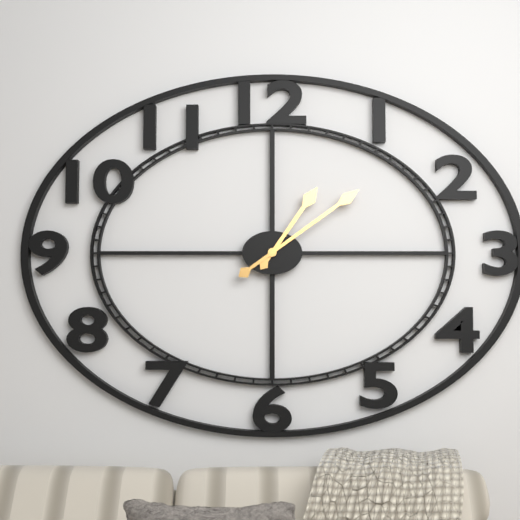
1 h 09 min
